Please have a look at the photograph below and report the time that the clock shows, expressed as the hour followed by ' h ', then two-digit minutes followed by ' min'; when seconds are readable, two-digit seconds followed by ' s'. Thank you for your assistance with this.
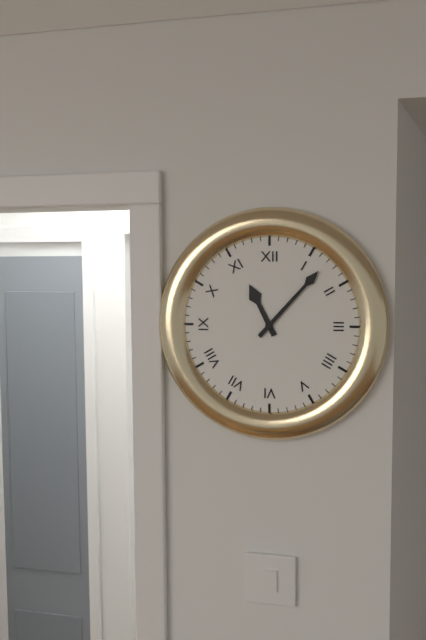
11 h 07 min
